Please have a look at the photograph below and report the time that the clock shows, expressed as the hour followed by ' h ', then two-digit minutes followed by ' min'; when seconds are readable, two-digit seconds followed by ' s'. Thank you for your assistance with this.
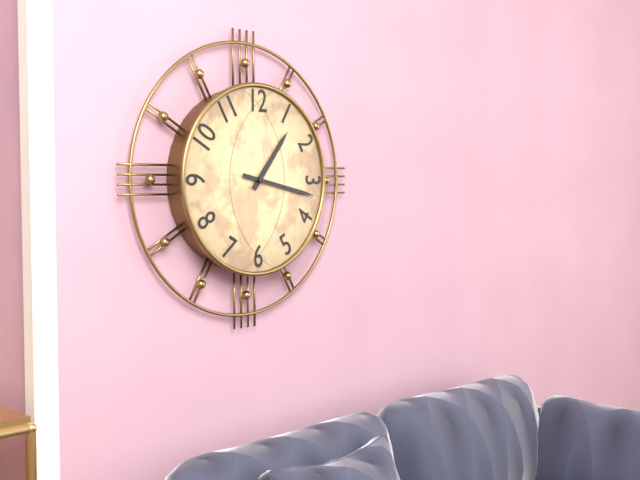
1 h 17 min
